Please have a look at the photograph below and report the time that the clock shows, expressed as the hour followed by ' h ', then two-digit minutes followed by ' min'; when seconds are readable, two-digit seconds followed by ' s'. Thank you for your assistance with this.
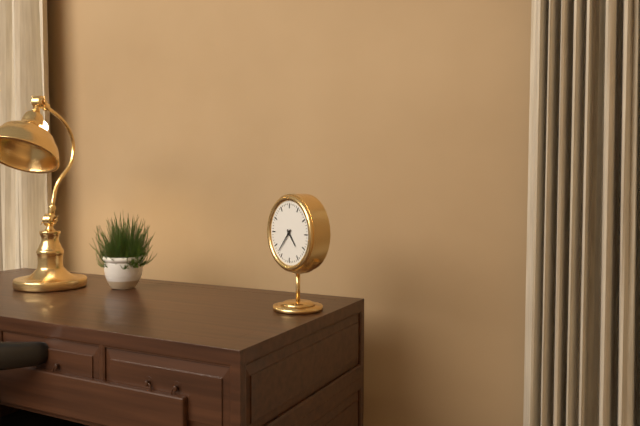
4 h 37 min
